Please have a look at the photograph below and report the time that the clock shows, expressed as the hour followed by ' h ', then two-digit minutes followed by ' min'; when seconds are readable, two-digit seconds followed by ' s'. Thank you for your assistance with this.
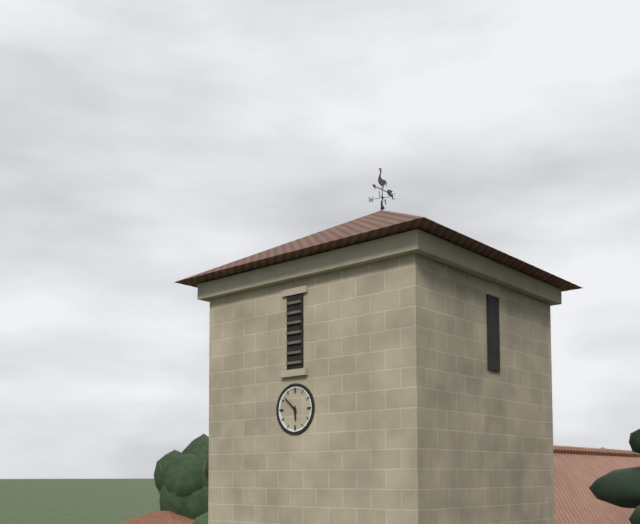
5 h 52 min
